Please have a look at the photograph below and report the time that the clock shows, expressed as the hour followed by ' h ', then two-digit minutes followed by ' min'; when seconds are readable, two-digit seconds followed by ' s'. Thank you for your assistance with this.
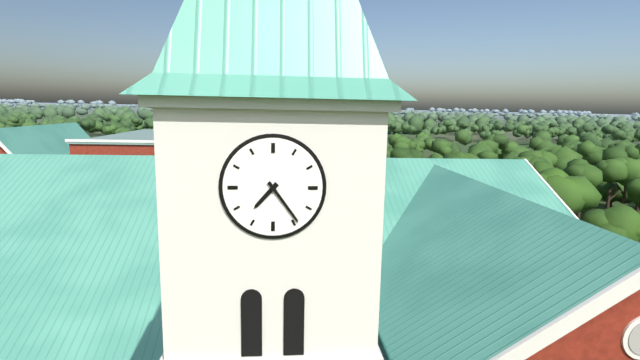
7 h 24 min
